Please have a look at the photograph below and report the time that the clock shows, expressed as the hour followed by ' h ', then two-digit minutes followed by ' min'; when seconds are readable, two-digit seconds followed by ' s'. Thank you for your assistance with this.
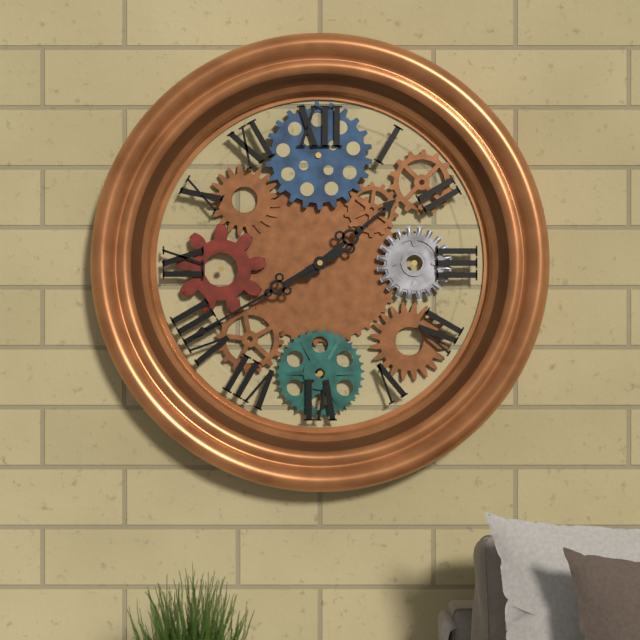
1 h 40 min
